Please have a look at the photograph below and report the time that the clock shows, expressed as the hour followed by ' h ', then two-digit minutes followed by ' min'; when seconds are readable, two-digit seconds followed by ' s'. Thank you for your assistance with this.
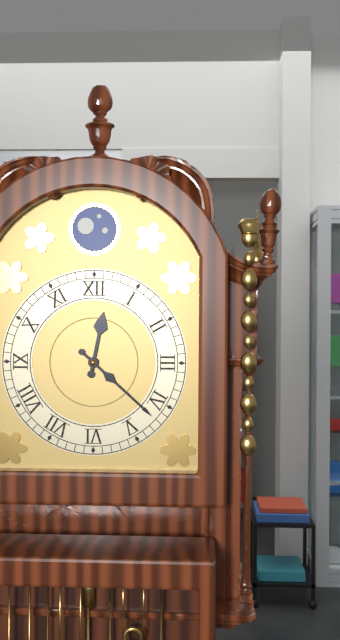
12 h 22 min
